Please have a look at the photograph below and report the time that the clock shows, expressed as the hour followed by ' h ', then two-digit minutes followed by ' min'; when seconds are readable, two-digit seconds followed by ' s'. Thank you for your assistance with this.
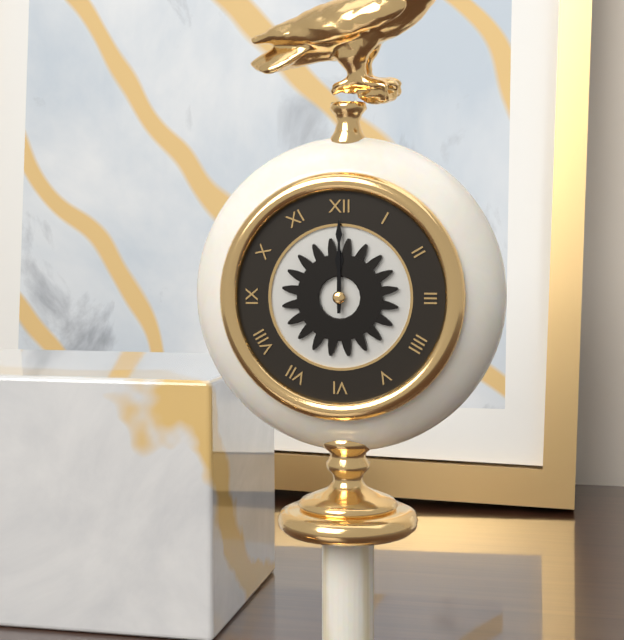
12 h 00 min
